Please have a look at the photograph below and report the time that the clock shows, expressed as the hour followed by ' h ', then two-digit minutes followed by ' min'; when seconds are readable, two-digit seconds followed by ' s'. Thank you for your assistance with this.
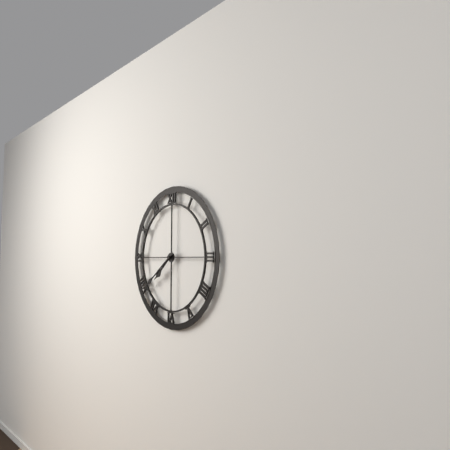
7 h 39 min
